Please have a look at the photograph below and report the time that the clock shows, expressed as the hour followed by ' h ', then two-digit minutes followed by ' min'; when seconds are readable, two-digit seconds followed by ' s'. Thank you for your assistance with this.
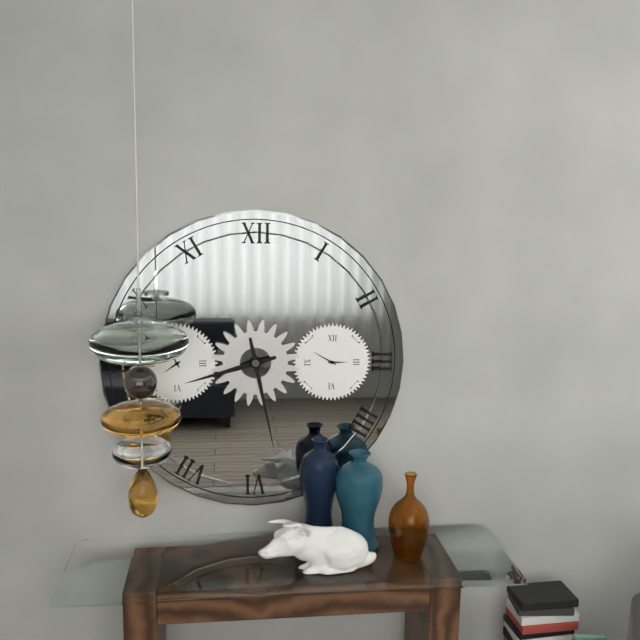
8 h 28 min
